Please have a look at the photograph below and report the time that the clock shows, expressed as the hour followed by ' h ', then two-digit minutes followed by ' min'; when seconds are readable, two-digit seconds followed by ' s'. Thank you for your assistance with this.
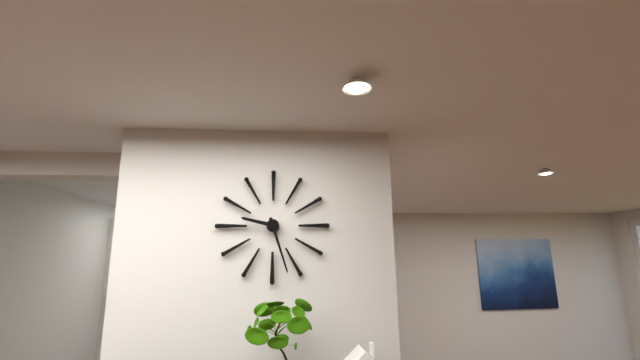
9 h 27 min
